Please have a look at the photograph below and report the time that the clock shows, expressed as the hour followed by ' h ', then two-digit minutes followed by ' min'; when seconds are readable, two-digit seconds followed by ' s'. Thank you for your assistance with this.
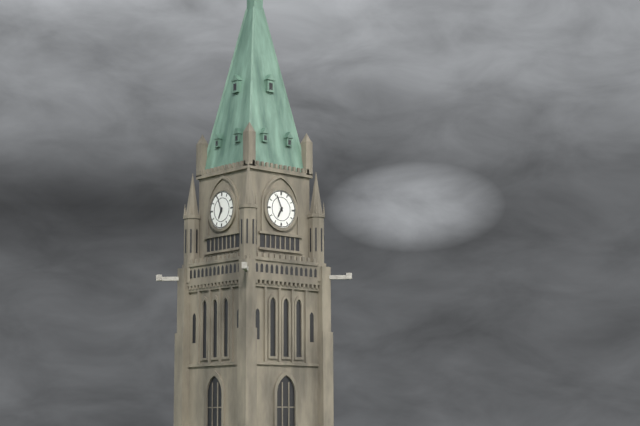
6 h 56 min
